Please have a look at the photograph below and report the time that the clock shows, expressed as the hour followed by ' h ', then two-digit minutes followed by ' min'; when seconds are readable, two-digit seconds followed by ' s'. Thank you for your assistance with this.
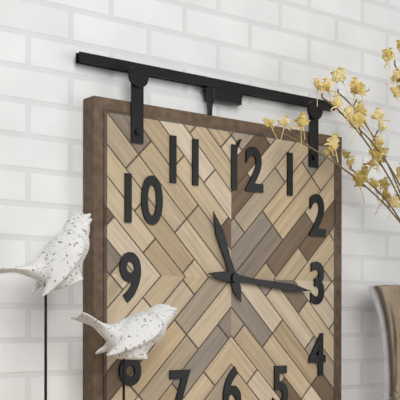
11 h 16 min
